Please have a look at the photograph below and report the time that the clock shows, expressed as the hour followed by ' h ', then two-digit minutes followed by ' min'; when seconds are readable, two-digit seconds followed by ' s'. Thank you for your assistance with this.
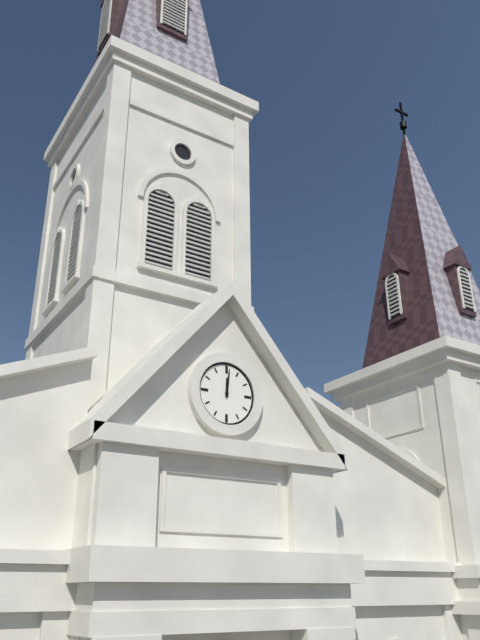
12 h 01 min
